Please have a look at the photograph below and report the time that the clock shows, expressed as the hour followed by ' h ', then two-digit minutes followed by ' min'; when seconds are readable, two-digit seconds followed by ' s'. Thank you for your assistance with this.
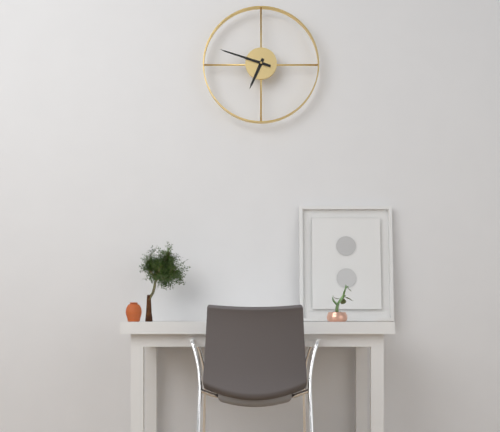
6 h 48 min
